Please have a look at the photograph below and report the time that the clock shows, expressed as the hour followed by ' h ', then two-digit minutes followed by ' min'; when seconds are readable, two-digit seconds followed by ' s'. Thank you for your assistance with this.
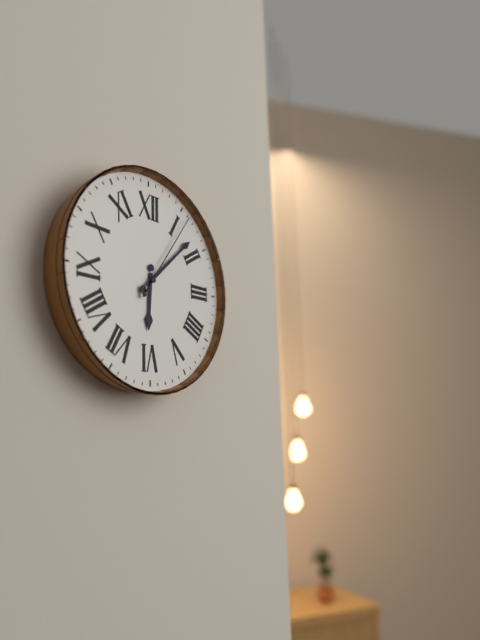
6 h 08 min 06 s
